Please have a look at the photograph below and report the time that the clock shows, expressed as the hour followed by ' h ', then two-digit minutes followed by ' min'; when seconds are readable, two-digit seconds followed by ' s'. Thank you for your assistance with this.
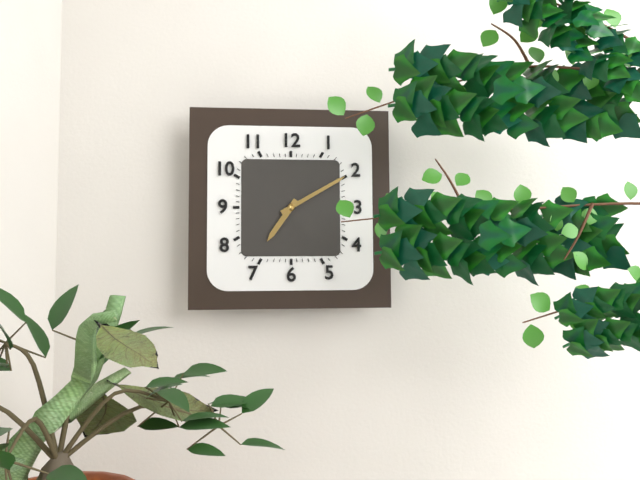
7 h 10 min
